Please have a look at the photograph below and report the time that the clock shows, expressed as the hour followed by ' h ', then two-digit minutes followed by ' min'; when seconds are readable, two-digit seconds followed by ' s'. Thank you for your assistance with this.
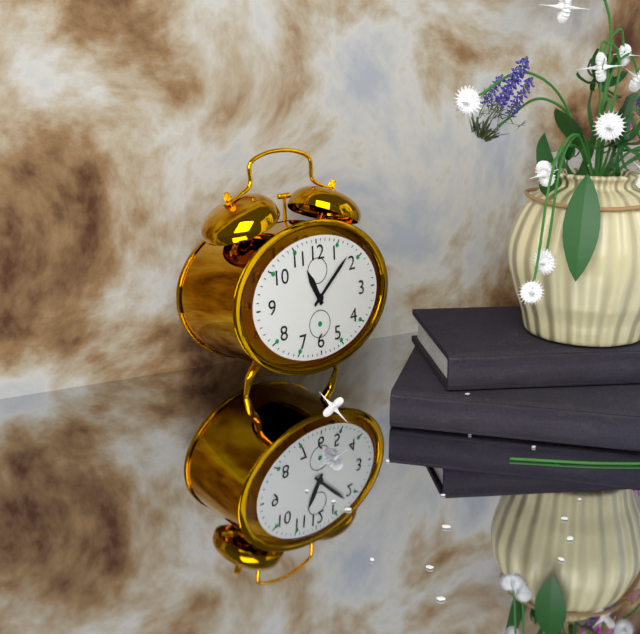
11 h 08 min
